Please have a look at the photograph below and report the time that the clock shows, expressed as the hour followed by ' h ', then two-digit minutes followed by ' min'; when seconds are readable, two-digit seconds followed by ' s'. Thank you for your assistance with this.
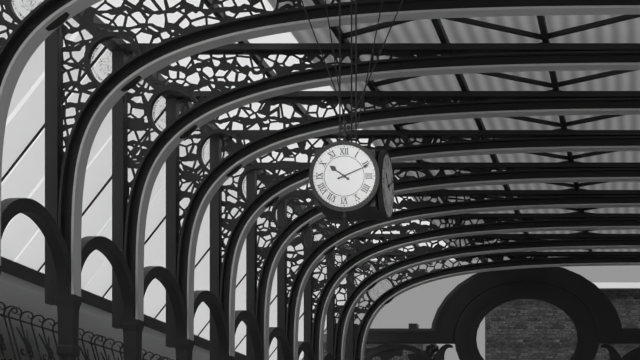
10 h 11 min
